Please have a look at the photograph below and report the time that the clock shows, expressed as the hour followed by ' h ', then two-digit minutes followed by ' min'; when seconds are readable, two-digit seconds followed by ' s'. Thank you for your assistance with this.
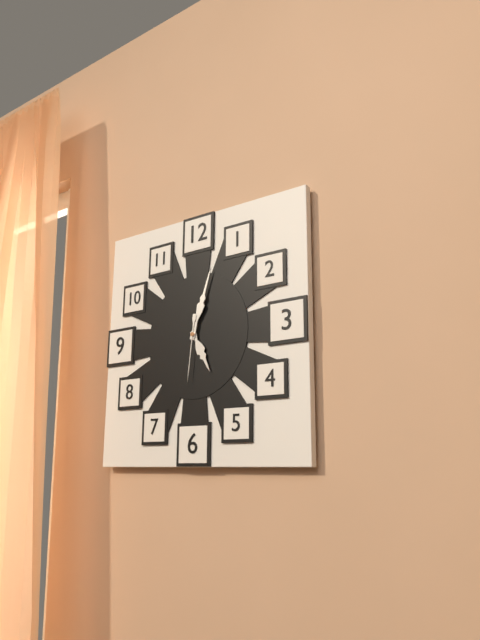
5 h 03 min 31 s
